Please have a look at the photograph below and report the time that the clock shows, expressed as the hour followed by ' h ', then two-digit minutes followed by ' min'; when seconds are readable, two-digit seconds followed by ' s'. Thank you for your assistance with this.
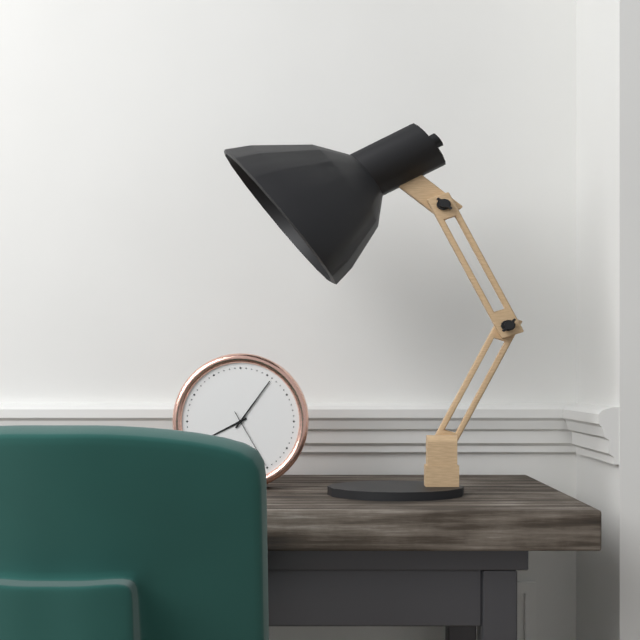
8 h 06 min 25 s
